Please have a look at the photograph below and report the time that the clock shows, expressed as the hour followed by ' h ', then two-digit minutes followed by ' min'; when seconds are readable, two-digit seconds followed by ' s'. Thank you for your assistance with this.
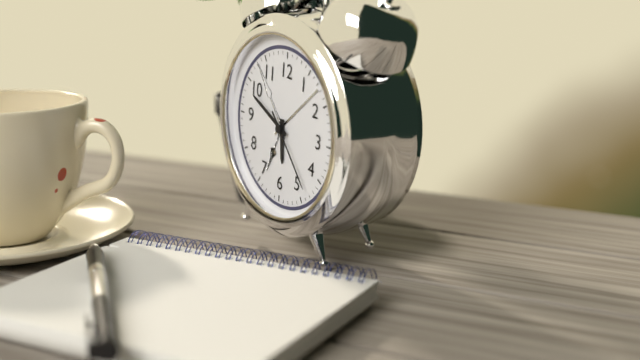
5 h 49 min 23 s
